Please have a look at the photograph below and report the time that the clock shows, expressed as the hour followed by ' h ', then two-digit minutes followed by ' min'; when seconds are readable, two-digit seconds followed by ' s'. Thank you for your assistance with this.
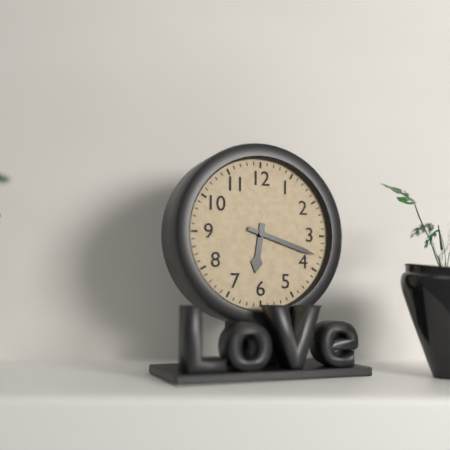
6 h 18 min
